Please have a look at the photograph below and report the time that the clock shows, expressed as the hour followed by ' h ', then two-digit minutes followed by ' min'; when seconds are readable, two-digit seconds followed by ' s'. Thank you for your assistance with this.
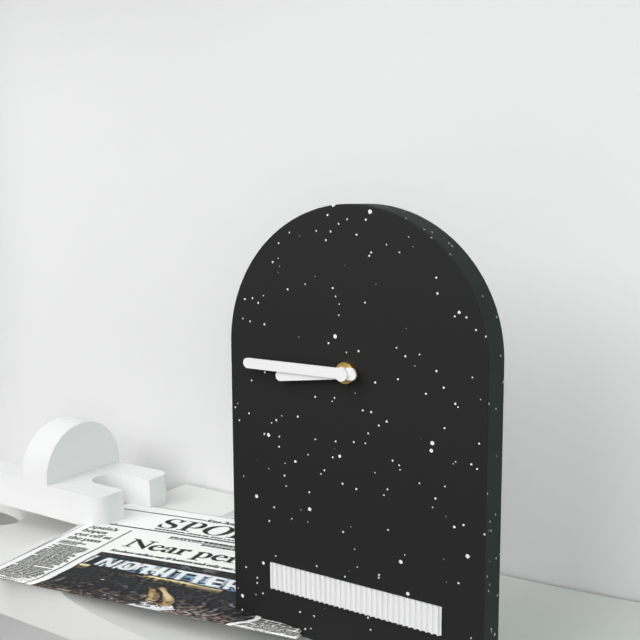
8 h 45 min
